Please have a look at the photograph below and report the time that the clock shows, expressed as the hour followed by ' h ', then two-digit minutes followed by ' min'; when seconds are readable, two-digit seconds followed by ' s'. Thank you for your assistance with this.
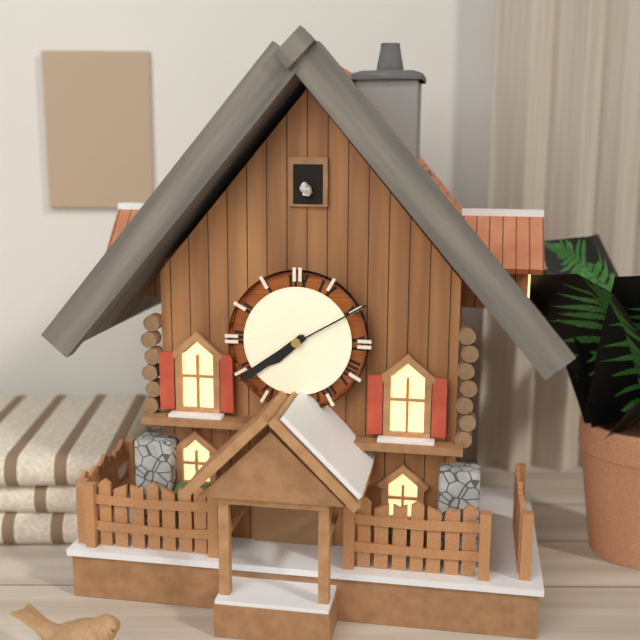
7 h 39 min 10 s
